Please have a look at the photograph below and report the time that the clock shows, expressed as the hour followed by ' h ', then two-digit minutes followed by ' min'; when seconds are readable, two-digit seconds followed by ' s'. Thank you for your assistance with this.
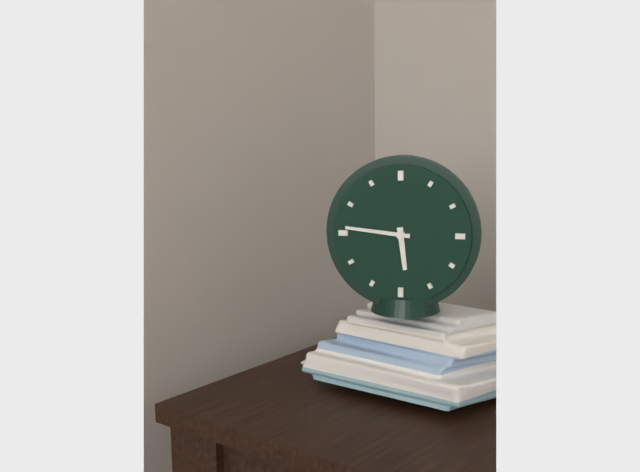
5 h 46 min
